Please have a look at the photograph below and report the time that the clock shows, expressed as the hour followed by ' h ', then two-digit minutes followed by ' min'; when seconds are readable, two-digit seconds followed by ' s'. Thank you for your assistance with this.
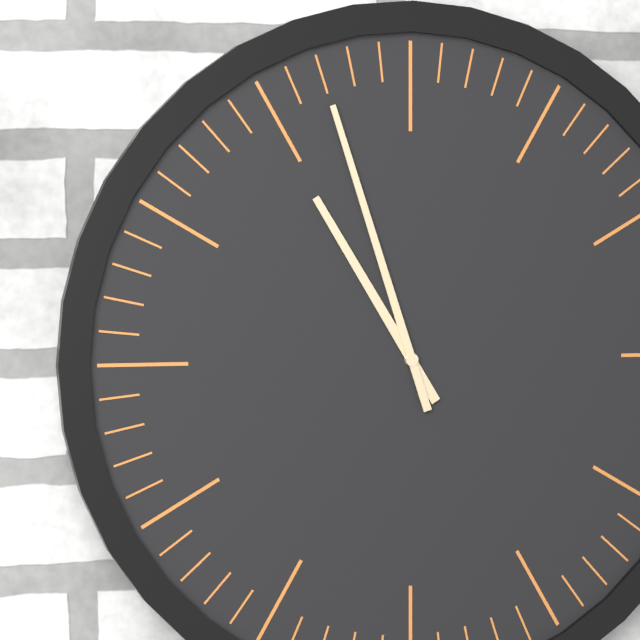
10 h 57 min
